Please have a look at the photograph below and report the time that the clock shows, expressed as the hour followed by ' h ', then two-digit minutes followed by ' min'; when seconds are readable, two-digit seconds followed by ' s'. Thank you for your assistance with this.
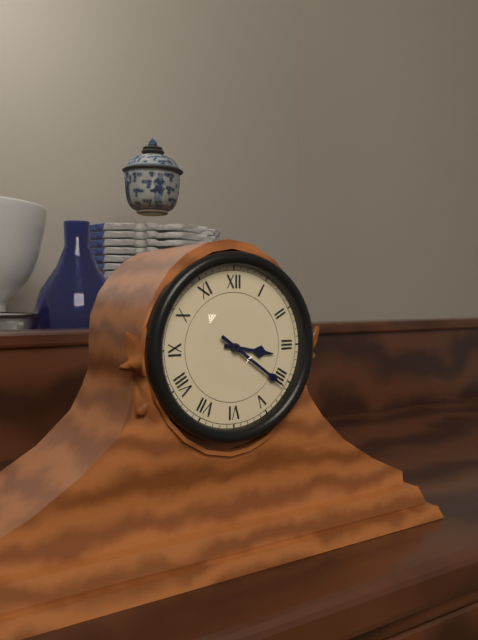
3 h 21 min
